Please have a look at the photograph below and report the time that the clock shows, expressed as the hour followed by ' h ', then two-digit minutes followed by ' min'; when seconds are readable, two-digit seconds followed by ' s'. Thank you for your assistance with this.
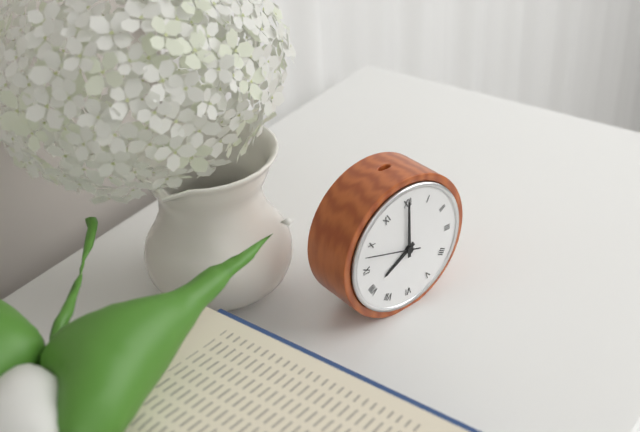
8 h 00 min 48 s
